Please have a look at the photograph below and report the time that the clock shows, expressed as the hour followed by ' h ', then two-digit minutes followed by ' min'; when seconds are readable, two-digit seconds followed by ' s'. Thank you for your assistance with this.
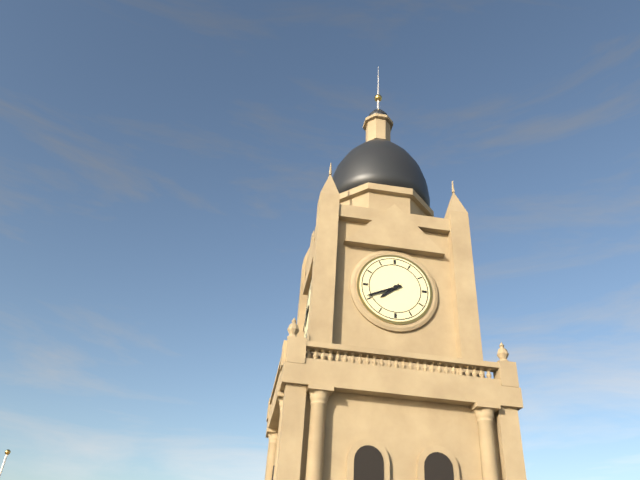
7 h 41 min
